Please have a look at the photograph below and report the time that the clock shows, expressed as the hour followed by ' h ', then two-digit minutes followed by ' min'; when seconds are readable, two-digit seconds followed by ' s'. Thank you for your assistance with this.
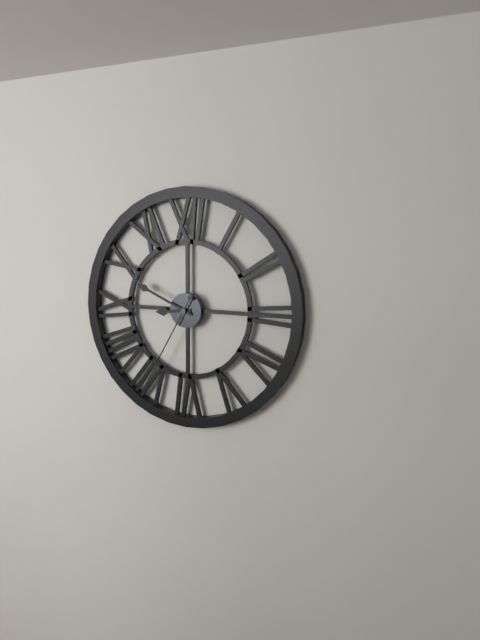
8 h 49 min 35 s
